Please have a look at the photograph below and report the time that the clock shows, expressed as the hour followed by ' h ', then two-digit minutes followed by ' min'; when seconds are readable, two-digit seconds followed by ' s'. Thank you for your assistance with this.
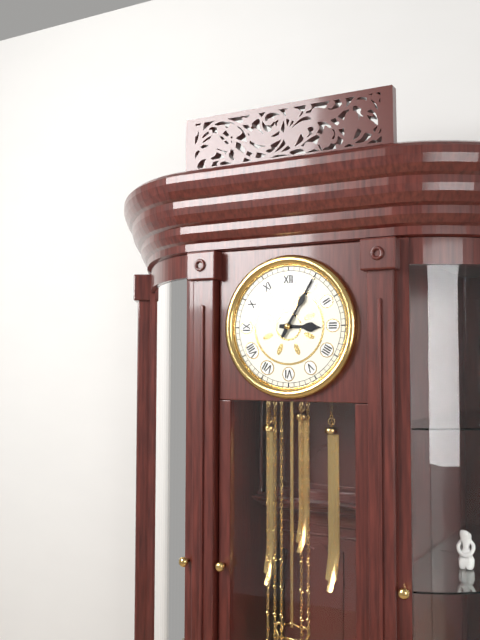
3 h 05 min
